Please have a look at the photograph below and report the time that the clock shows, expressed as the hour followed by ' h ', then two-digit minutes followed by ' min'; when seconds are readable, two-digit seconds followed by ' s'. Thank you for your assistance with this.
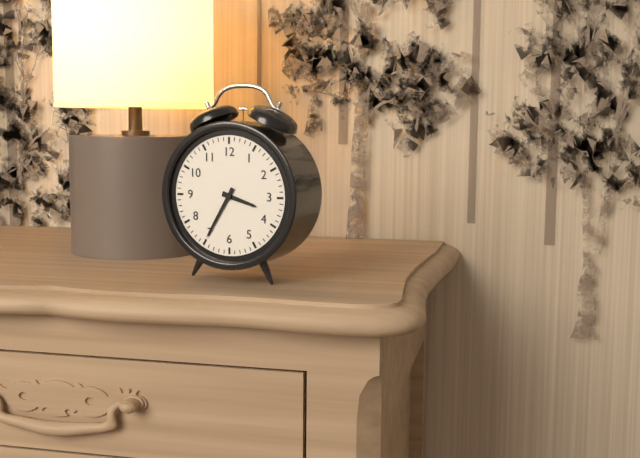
3 h 35 min
